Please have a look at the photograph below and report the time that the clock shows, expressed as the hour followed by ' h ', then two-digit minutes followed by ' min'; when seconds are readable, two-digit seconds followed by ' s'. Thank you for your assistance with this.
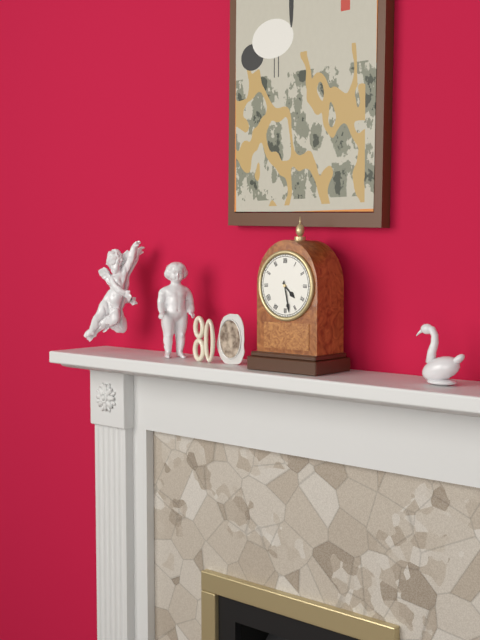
4 h 28 min
